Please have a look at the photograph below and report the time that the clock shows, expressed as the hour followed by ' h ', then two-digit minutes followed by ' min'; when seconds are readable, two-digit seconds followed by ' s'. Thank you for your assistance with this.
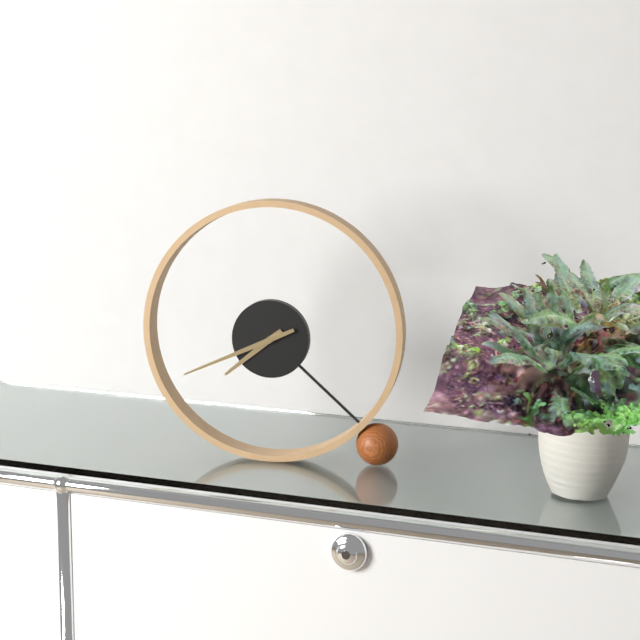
7 h 41 min
